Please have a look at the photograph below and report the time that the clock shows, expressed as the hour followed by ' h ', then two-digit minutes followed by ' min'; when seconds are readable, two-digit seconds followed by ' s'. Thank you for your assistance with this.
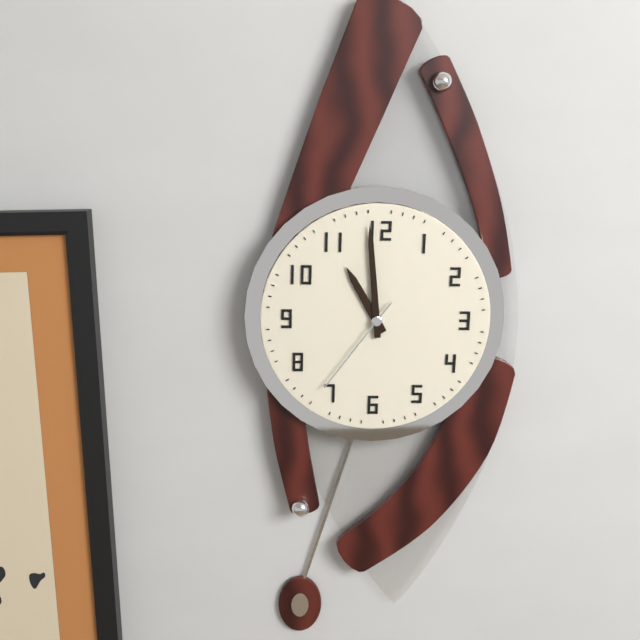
10 h 59 min 36 s
